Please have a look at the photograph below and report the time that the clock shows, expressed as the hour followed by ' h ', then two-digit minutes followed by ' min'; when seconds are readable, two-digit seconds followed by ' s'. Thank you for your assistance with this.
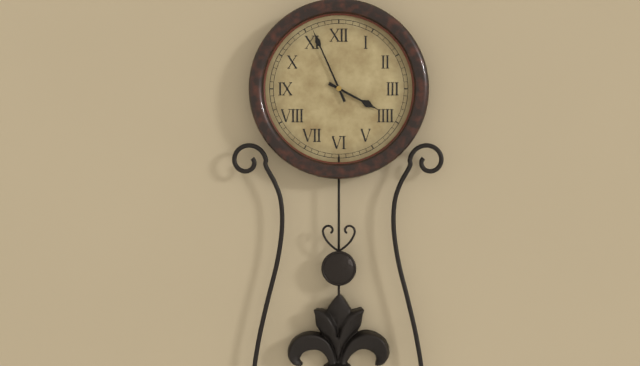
3 h 56 min
